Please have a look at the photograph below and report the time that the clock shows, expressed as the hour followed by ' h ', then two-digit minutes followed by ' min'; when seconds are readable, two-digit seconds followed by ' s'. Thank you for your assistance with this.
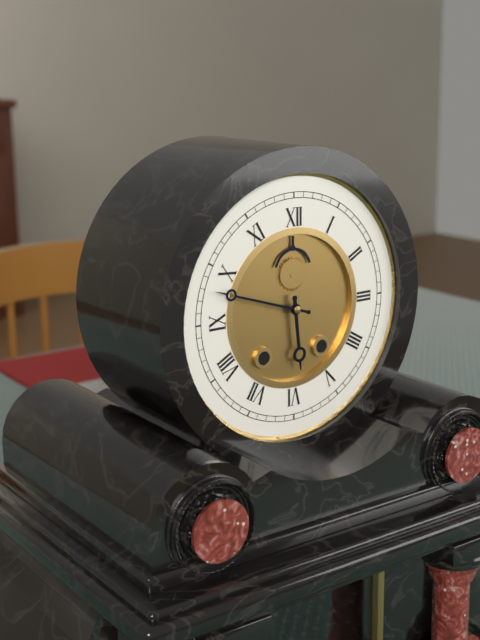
5 h 48 min
